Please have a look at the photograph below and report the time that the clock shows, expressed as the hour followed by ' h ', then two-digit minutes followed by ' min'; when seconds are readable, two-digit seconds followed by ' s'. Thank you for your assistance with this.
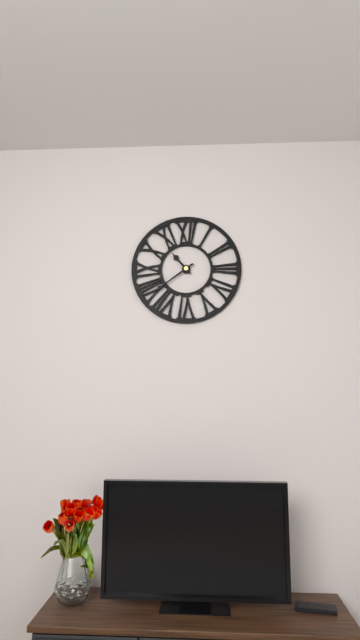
10 h 39 min
